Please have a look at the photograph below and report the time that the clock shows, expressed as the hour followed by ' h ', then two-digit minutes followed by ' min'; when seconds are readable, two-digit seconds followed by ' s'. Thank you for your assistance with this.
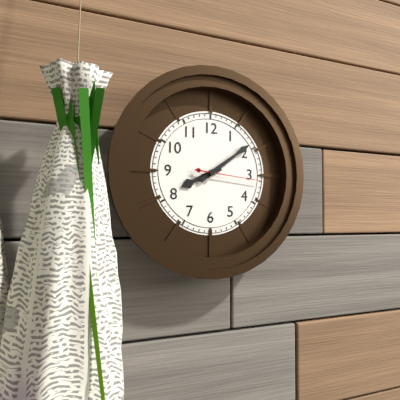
8 h 09 min 16 s
